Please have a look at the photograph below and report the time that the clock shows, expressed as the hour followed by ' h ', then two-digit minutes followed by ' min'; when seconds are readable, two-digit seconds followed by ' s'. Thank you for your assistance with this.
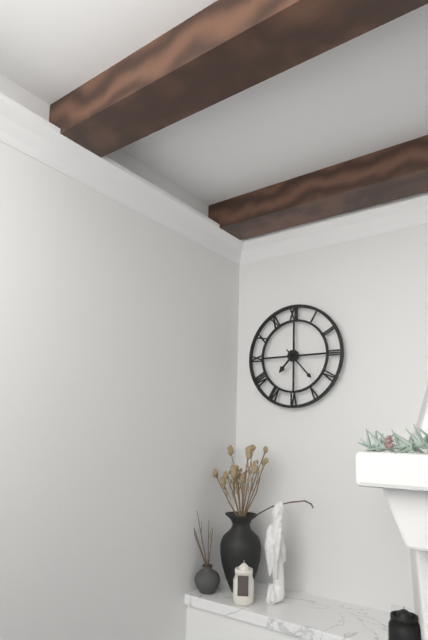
7 h 23 min
